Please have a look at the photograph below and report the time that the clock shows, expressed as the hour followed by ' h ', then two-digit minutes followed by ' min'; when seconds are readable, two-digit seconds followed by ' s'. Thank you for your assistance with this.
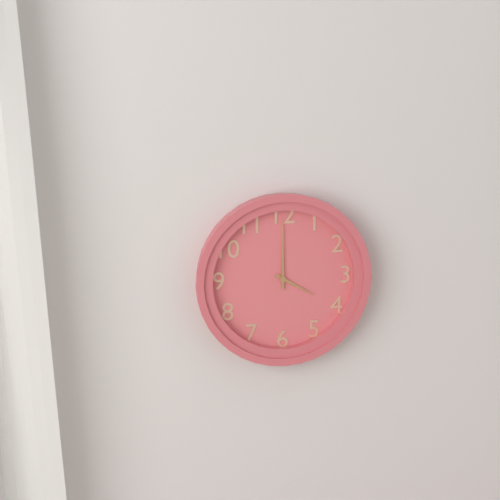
4 h 00 min
